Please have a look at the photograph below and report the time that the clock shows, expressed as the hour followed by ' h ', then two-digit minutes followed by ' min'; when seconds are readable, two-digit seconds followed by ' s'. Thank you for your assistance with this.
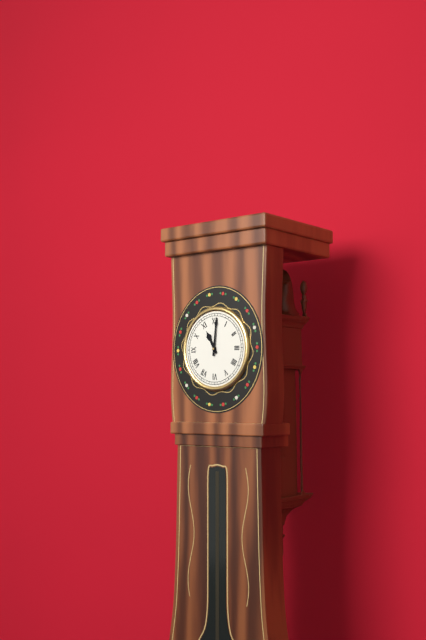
11 h 01 min
